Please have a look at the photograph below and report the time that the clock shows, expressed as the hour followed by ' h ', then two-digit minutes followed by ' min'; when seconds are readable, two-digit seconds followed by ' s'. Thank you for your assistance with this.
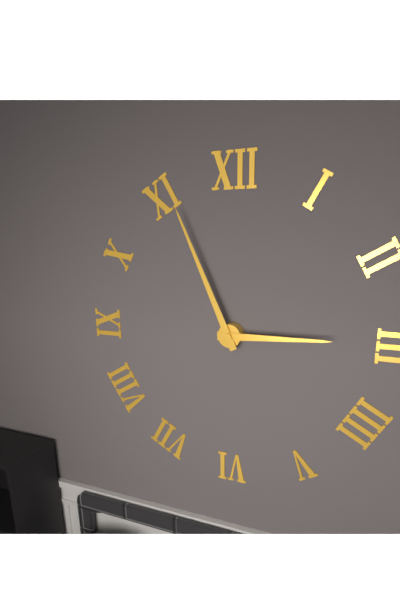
2 h 56 min
